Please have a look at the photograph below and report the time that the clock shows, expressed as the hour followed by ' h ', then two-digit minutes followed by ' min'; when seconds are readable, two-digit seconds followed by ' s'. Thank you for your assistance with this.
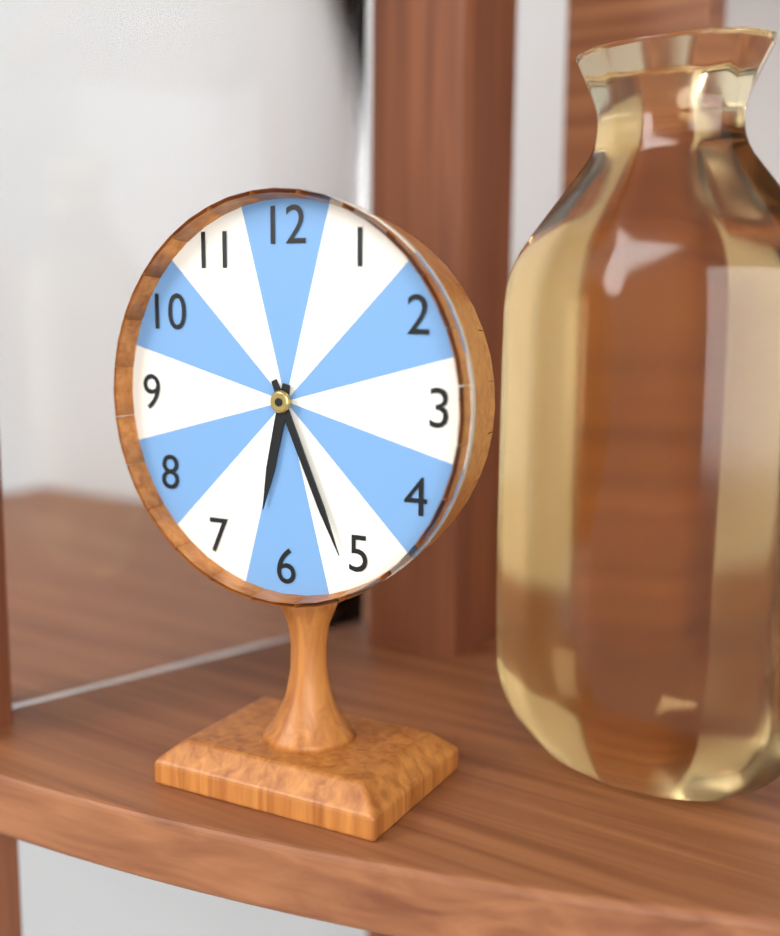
6 h 26 min
